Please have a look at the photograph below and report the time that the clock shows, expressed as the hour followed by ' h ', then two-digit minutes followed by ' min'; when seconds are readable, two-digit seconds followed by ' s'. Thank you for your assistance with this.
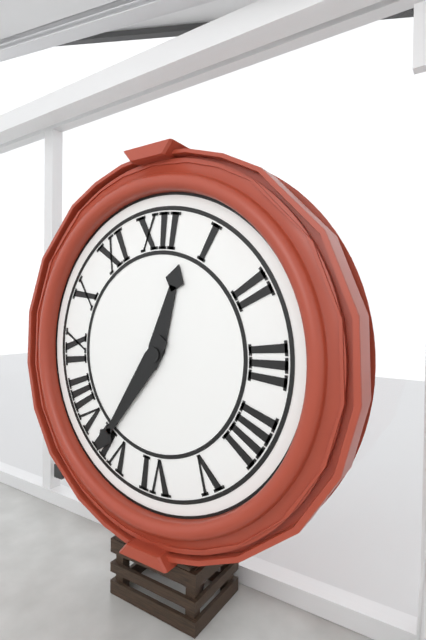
12 h 36 min
